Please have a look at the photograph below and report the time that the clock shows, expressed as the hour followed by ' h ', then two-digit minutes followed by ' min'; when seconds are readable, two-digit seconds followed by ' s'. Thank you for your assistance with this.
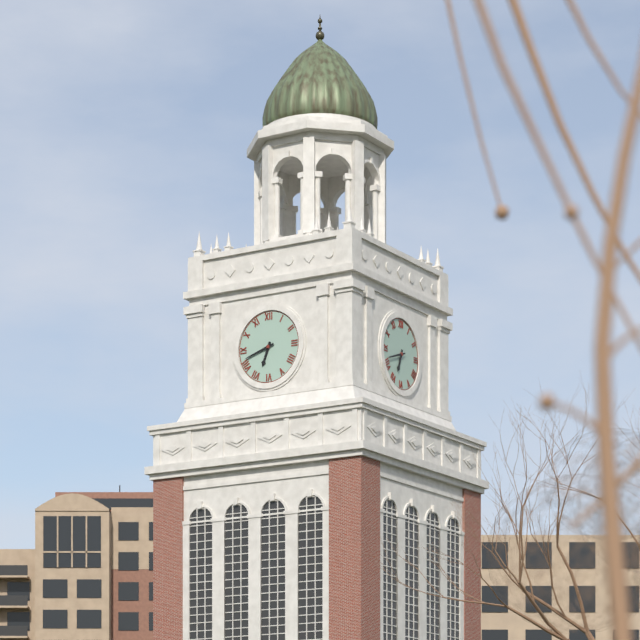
6 h 42 min
